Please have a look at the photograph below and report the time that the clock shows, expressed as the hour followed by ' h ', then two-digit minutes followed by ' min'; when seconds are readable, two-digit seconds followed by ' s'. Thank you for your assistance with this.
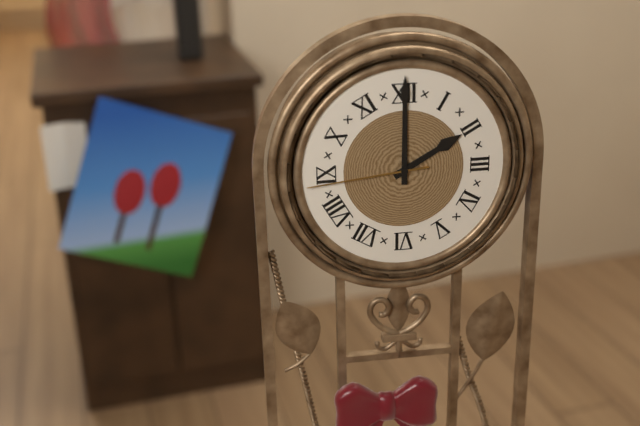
2 h 00 min 44 s
